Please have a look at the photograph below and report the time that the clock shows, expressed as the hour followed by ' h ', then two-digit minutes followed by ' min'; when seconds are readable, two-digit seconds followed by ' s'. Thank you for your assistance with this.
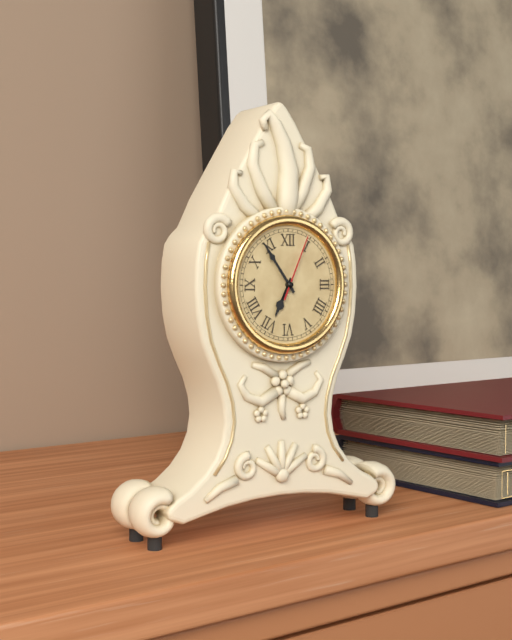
6 h 54 min 04 s
